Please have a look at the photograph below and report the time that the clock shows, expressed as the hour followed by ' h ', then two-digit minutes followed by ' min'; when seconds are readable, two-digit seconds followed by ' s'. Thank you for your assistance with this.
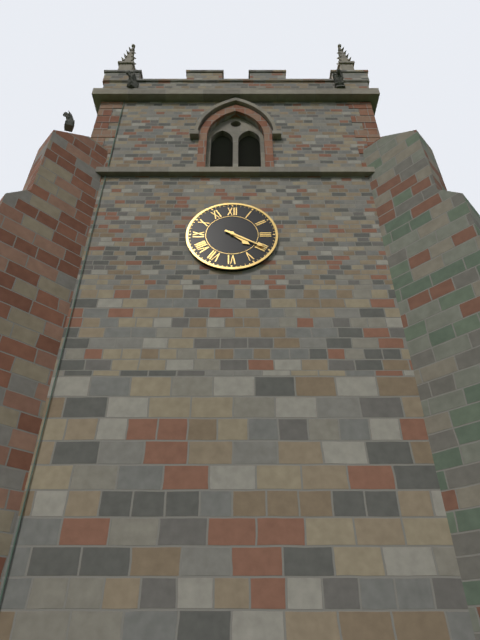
4 h 20 min
